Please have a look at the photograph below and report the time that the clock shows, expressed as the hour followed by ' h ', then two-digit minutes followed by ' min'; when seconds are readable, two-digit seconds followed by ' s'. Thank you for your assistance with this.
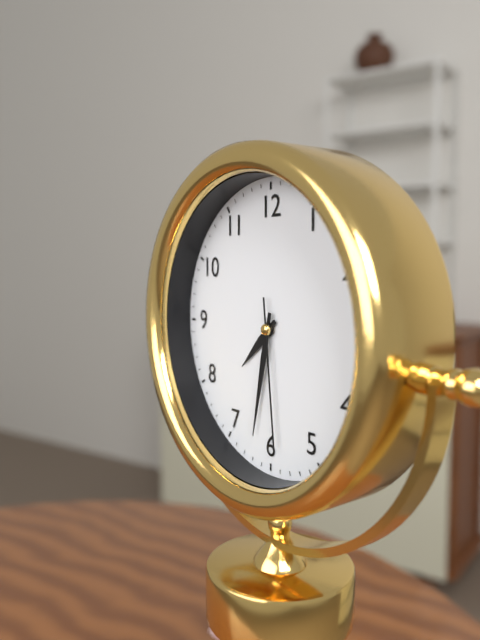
7 h 32 min 29 s
